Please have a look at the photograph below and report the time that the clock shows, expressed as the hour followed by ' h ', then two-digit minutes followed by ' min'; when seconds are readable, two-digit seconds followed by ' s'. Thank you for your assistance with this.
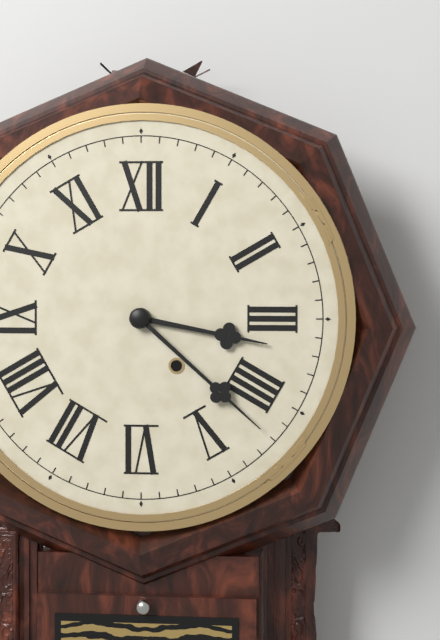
3 h 22 min
